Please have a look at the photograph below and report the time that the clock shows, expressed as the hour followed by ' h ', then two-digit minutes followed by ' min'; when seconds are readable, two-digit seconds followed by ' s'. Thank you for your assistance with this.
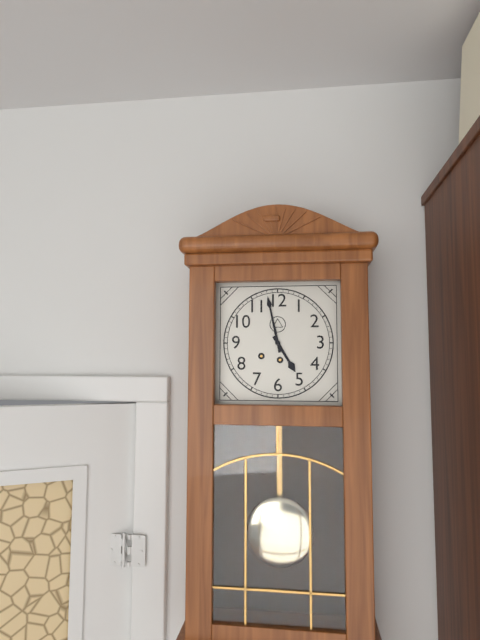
4 h 58 min
